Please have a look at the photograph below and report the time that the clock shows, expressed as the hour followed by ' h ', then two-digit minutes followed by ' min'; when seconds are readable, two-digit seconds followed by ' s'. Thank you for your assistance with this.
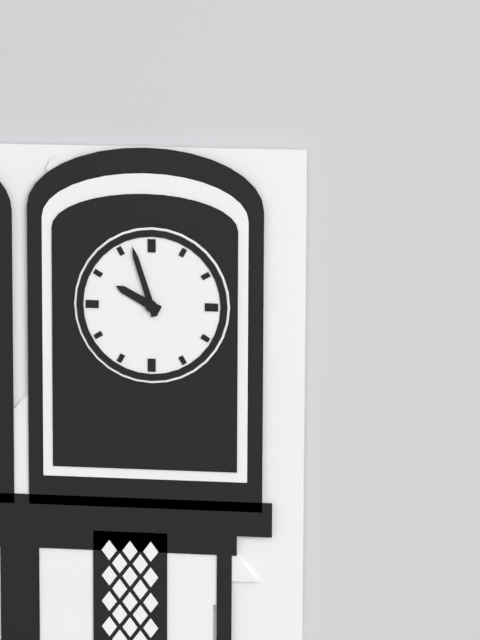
9 h 57 min
